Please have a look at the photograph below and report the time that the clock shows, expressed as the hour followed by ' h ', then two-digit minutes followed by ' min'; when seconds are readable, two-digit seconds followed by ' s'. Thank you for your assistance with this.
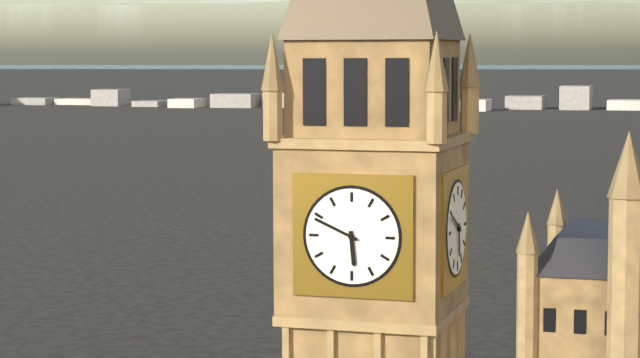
5 h 49 min
